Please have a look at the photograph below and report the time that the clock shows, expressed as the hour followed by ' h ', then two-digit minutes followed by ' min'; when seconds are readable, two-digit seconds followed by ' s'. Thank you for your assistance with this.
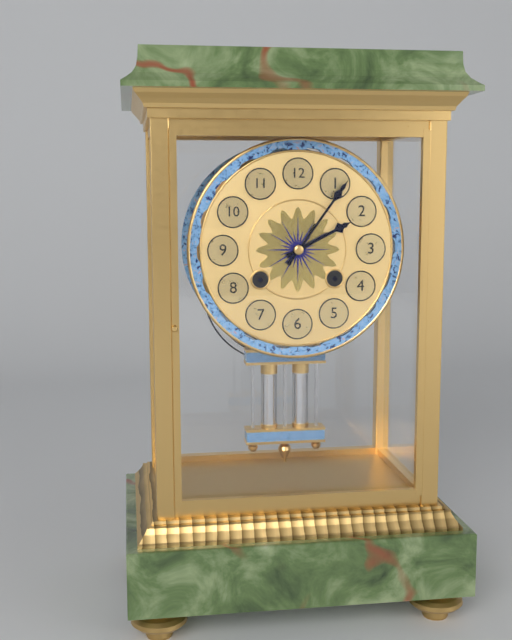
2 h 06 min
